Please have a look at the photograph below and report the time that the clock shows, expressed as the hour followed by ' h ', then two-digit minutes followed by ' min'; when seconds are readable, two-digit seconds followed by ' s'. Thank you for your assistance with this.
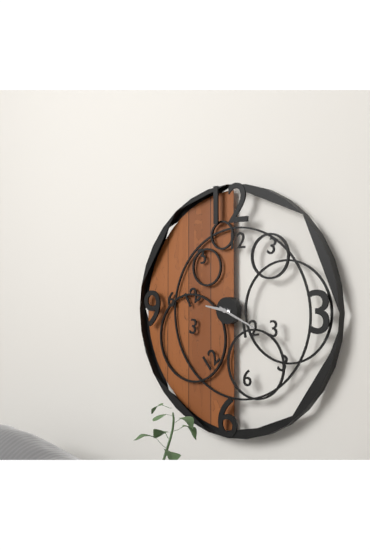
9 h 19 min
